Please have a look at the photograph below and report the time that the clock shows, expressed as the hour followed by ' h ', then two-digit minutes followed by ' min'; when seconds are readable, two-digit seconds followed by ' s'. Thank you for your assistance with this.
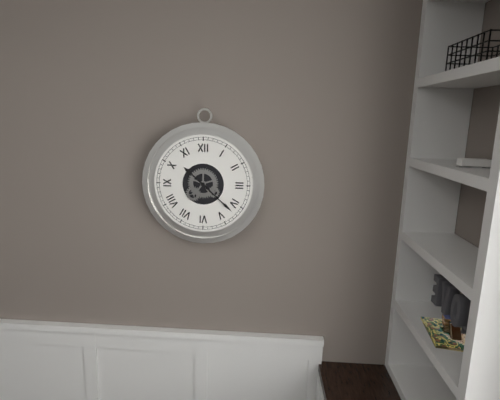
10 h 22 min
